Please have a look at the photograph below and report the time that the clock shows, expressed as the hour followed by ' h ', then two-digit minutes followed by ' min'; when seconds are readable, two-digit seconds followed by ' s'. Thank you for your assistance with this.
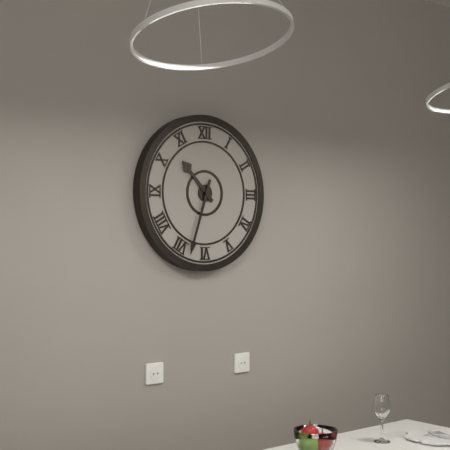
10 h 33 min
